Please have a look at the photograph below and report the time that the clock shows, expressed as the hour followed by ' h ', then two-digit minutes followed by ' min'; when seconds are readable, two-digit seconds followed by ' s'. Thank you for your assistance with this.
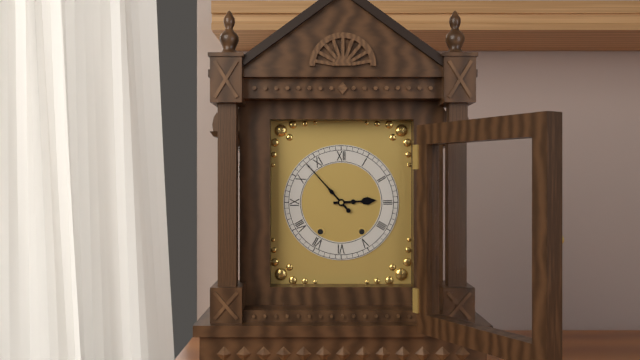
2 h 53 min
